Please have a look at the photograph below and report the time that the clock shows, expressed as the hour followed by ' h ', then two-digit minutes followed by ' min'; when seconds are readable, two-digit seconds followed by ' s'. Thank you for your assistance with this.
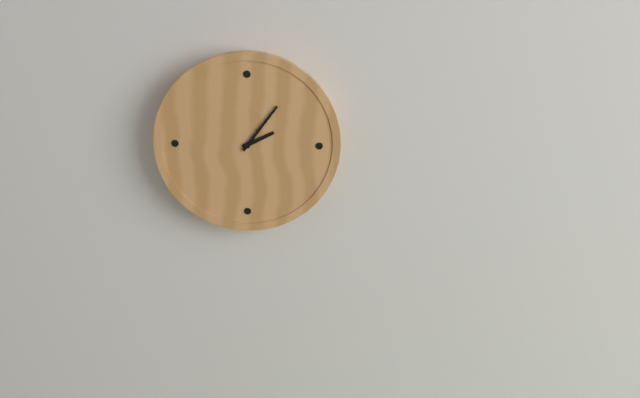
2 h 06 min
